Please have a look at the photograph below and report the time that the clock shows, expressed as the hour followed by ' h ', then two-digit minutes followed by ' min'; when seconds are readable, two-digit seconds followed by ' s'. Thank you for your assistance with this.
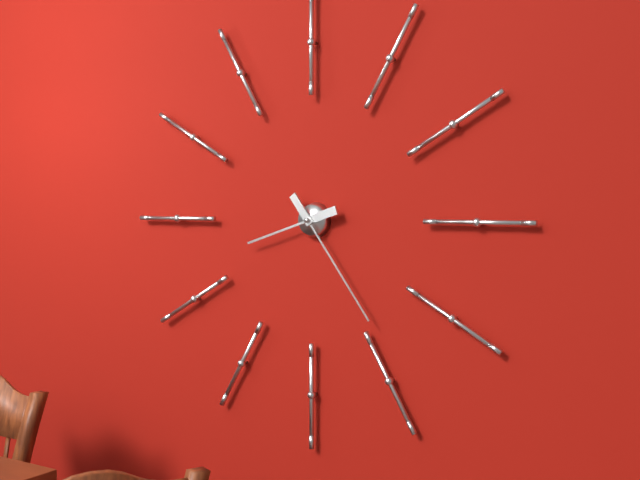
8 h 24 min
